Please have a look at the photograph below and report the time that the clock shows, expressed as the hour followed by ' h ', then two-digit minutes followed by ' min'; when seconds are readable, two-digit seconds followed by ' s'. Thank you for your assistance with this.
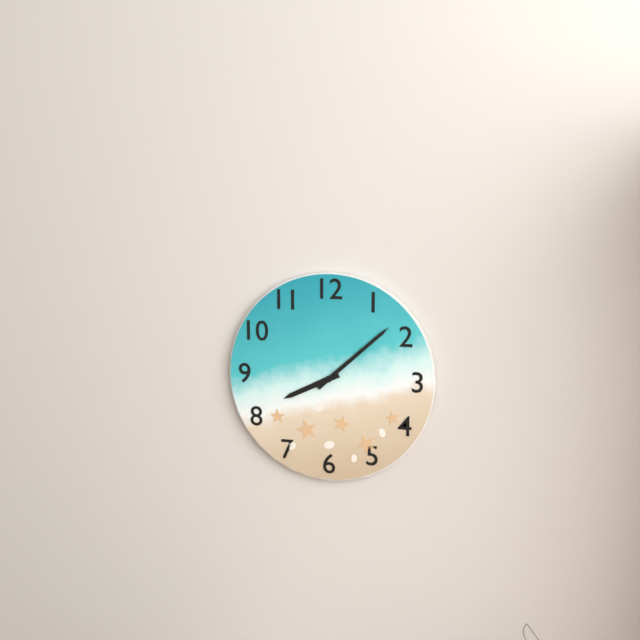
8 h 08 min
